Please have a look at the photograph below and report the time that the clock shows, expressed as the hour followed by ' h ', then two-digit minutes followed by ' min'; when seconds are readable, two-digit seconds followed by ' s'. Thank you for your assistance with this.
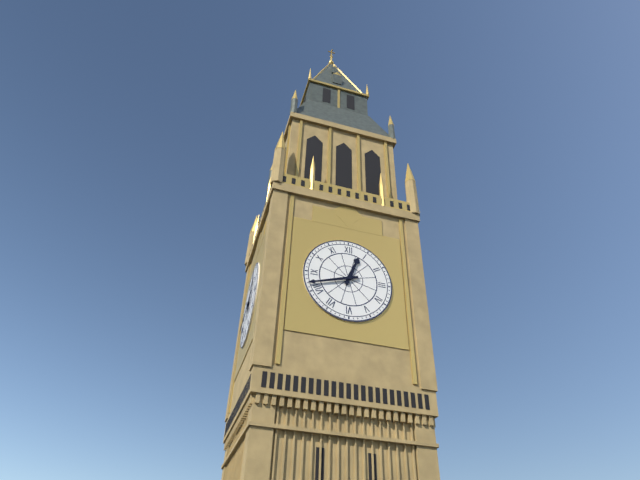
12 h 42 min
